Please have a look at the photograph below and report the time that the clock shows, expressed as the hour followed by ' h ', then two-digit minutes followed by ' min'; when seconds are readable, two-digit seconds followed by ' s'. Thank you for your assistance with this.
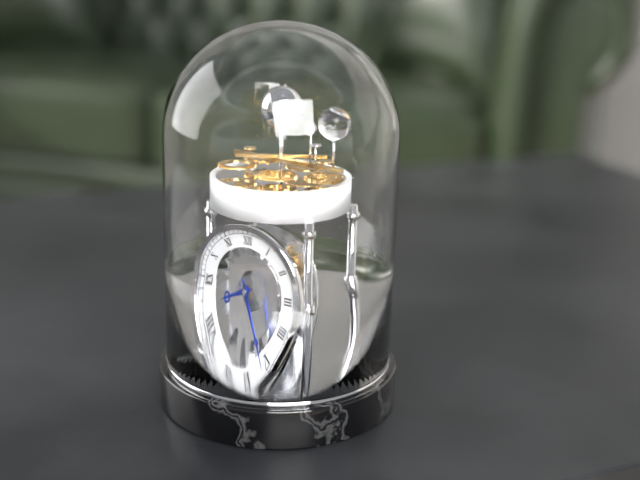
8 h 26 min
